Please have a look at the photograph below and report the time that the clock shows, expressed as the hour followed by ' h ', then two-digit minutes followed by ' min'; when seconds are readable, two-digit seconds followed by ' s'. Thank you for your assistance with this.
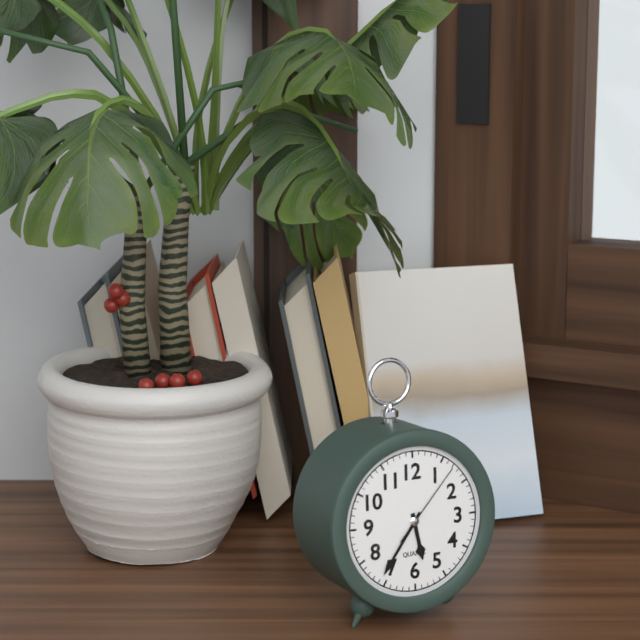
5 h 36 min 07 s
